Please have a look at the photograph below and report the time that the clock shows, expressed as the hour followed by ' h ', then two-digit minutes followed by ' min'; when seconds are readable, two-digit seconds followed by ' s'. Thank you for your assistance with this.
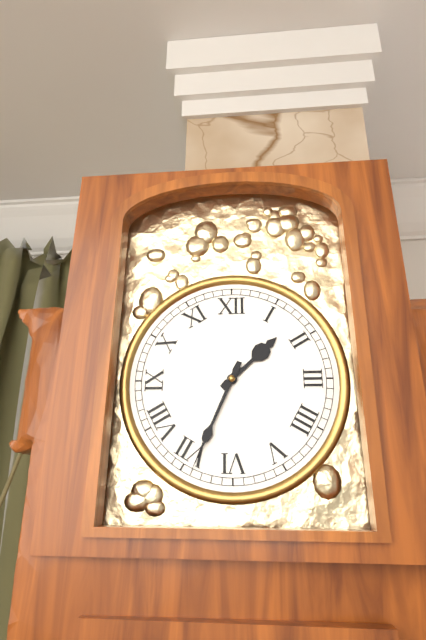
1 h 34 min
